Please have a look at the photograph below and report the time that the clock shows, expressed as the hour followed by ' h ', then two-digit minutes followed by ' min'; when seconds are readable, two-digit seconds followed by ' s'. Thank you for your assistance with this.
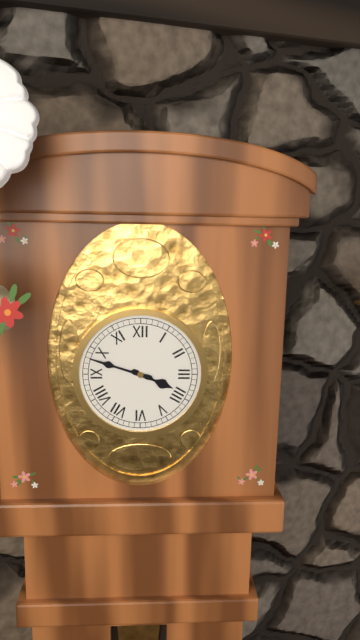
3 h 48 min
